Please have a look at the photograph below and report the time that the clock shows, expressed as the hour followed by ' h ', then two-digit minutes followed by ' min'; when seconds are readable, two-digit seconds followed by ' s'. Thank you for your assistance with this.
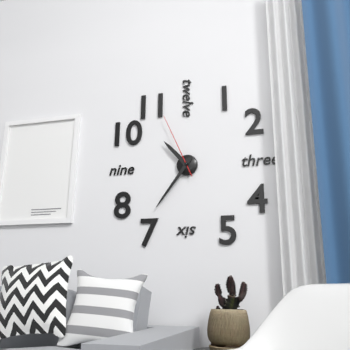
10 h 36 min 56 s
